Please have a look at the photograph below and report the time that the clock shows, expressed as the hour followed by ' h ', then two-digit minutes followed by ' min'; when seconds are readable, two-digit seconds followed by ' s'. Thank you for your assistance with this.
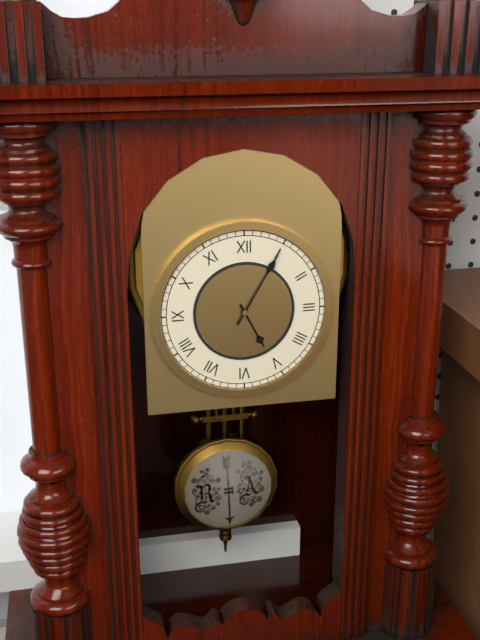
5 h 05 min
